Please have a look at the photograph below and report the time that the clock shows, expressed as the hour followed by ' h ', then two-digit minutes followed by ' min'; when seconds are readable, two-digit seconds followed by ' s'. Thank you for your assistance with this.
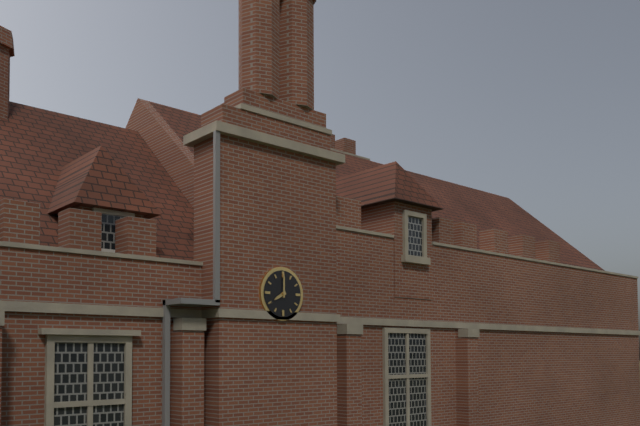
8 h 00 min
